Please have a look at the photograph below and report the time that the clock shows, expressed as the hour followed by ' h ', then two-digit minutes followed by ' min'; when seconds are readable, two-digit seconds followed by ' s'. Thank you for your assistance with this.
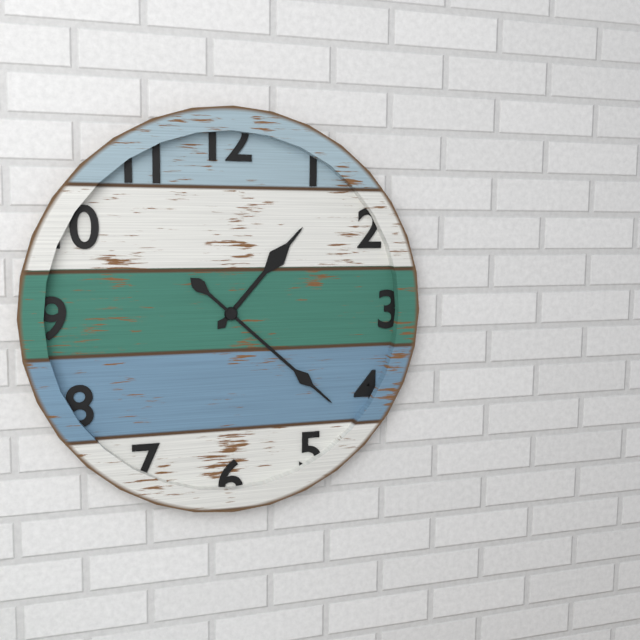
1 h 22 min
